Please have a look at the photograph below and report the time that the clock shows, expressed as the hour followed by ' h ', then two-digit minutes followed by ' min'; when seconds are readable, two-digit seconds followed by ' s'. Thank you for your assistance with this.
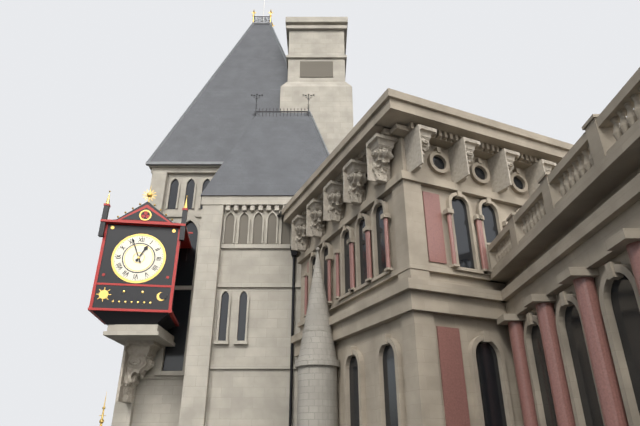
12 h 56 min
